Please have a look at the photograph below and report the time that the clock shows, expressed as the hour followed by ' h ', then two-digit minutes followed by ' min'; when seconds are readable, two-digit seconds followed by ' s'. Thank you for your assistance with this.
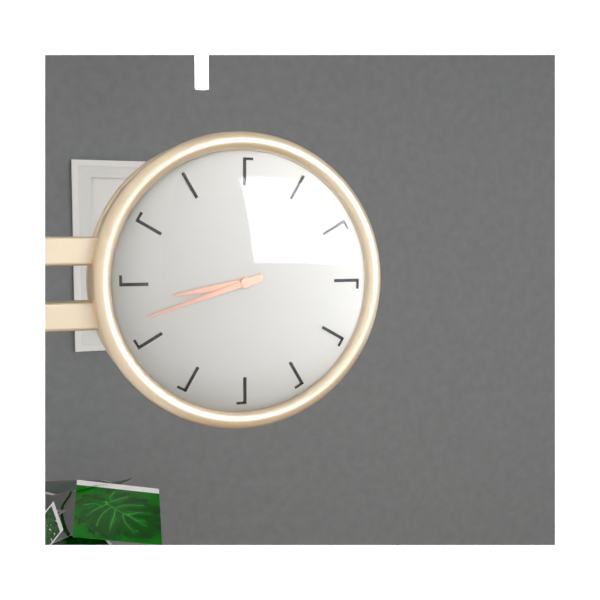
8 h 42 min
